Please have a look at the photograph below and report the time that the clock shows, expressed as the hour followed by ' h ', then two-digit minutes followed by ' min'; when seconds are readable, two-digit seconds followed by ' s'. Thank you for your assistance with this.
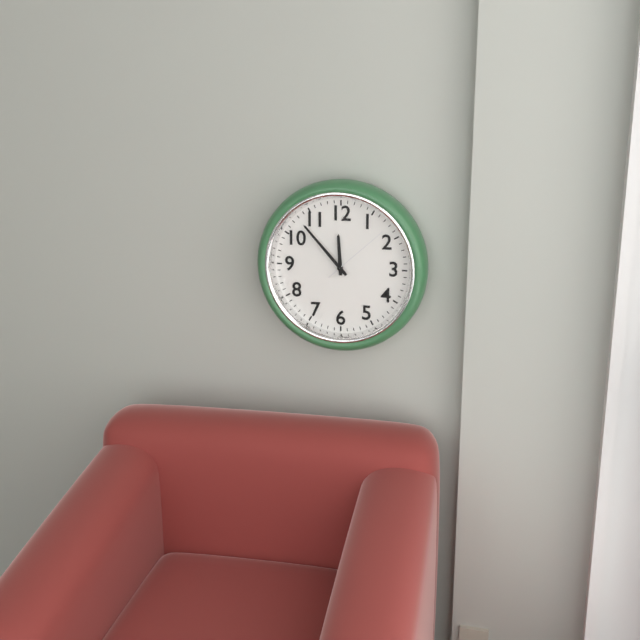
11 h 53 min 08 s
